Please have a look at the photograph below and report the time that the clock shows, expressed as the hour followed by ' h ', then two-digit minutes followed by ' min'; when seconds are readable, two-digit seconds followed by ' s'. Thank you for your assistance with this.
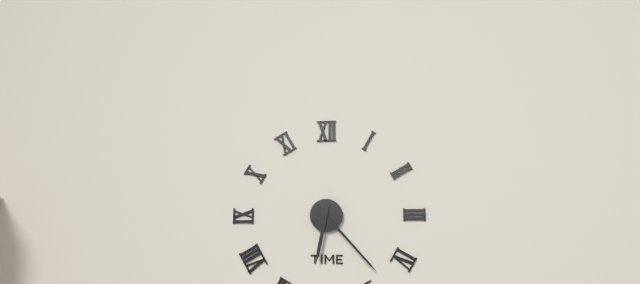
6 h 23 min
